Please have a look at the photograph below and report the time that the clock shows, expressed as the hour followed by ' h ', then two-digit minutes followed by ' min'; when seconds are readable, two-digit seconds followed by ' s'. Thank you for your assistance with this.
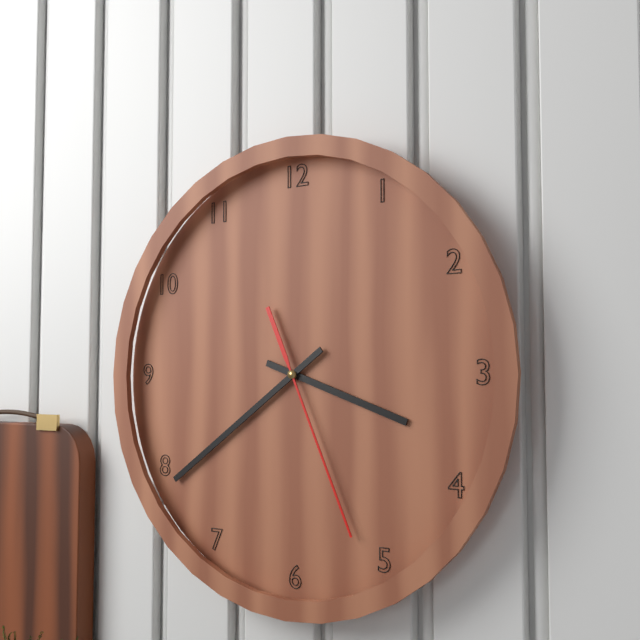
3 h 39 min 26 s
